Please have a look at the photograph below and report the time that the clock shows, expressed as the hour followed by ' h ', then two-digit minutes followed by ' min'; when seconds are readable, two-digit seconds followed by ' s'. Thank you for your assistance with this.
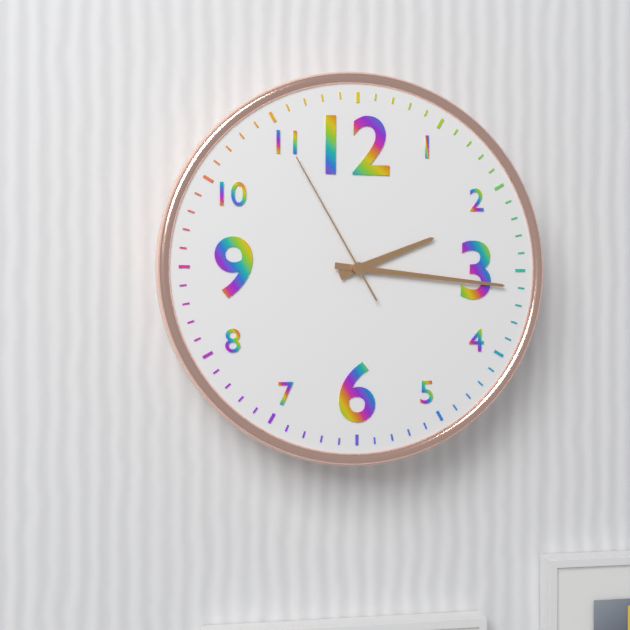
2 h 16 min 55 s
